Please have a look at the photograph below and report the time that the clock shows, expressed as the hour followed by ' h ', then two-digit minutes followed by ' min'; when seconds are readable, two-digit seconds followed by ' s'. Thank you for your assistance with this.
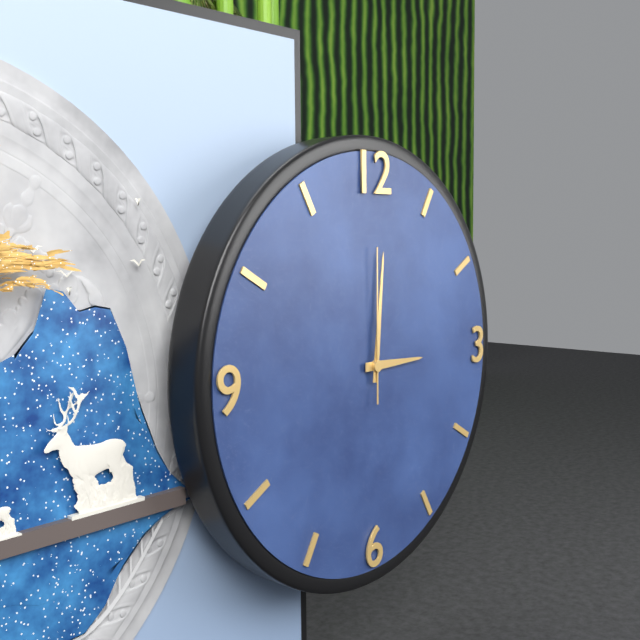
3 h 01 min 00 s
